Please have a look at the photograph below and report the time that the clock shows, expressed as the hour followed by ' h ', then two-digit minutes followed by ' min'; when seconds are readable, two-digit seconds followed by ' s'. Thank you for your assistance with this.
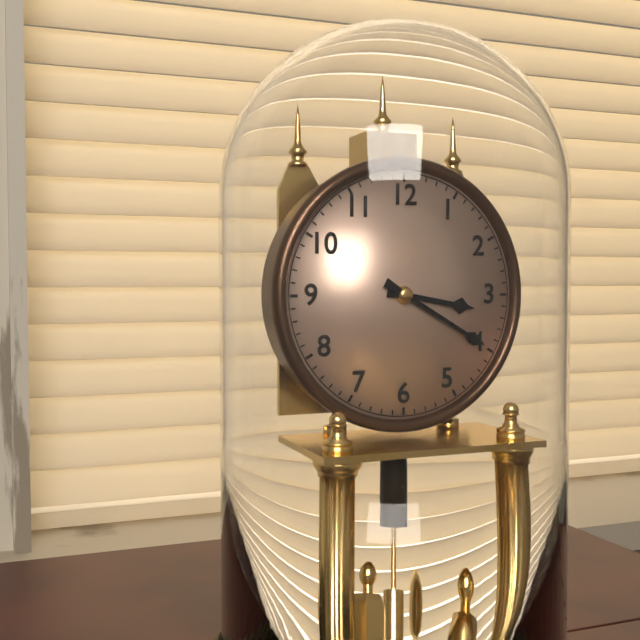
3 h 20 min
